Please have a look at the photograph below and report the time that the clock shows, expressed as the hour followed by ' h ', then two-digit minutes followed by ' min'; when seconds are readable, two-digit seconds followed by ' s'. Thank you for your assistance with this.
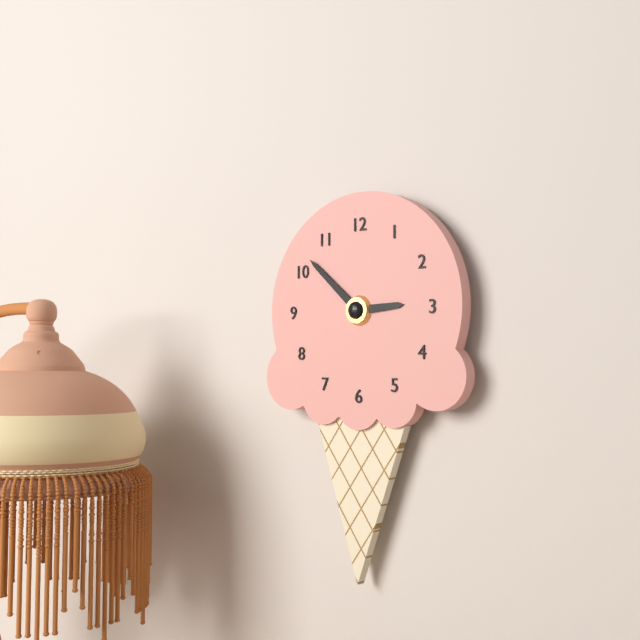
2 h 52 min
